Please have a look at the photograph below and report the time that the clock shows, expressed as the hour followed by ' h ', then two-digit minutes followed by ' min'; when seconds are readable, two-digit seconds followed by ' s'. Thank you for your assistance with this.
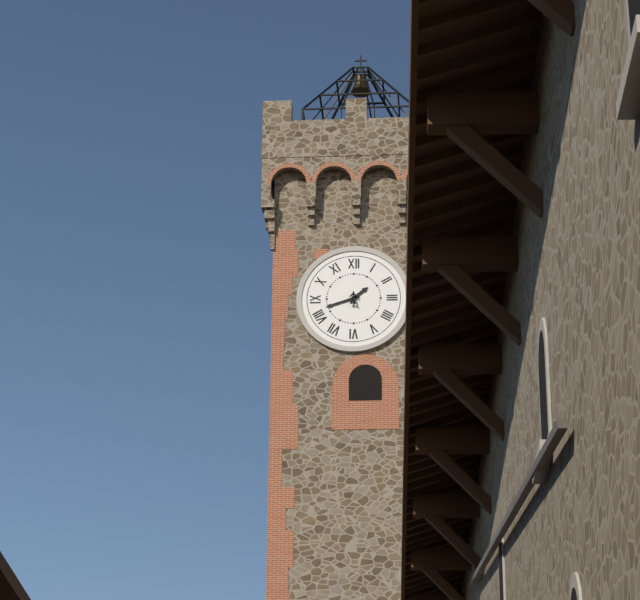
1 h 42 min
